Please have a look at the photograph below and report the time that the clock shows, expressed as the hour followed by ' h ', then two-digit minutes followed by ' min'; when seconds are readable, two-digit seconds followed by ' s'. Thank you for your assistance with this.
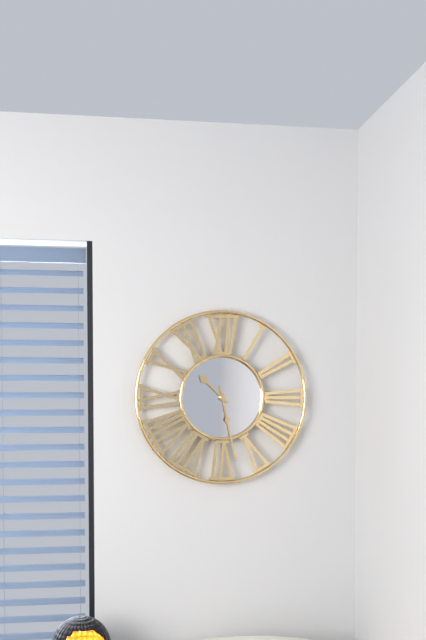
10 h 28 min
